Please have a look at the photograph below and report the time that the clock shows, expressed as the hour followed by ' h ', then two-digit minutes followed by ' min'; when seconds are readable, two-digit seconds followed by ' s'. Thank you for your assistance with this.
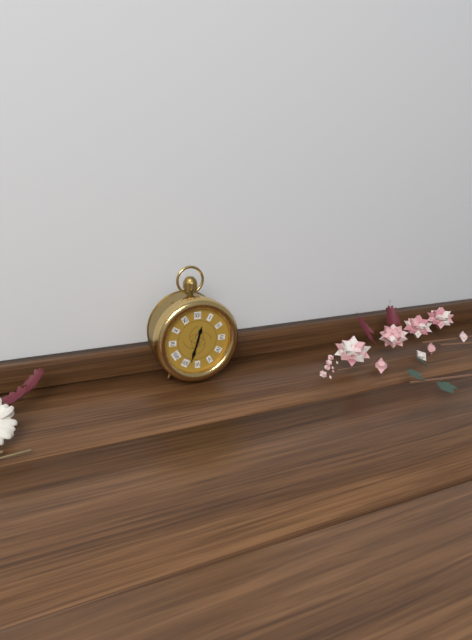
12 h 33 min
